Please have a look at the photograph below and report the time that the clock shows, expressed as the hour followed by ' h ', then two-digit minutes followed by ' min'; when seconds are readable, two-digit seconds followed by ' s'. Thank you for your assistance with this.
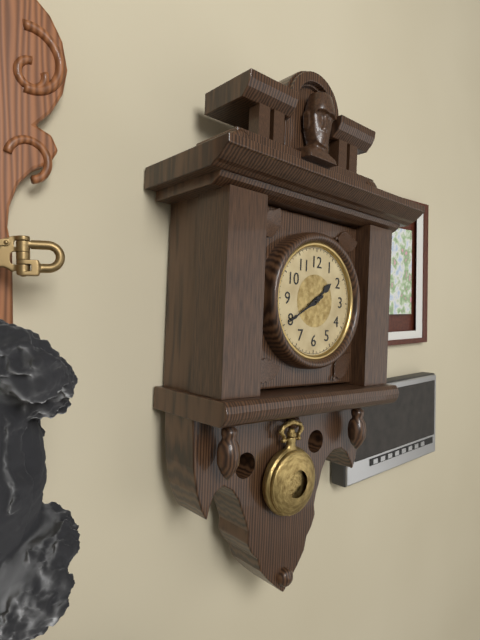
1 h 40 min
